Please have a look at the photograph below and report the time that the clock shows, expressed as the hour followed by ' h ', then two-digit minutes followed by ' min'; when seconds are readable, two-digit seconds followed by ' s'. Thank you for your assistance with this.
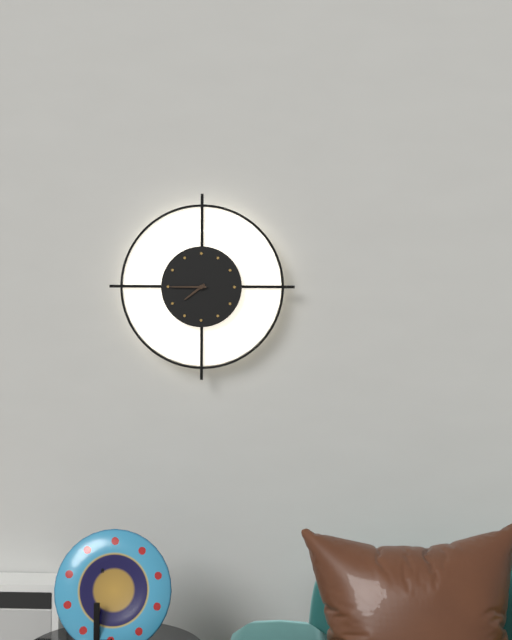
7 h 45 min
